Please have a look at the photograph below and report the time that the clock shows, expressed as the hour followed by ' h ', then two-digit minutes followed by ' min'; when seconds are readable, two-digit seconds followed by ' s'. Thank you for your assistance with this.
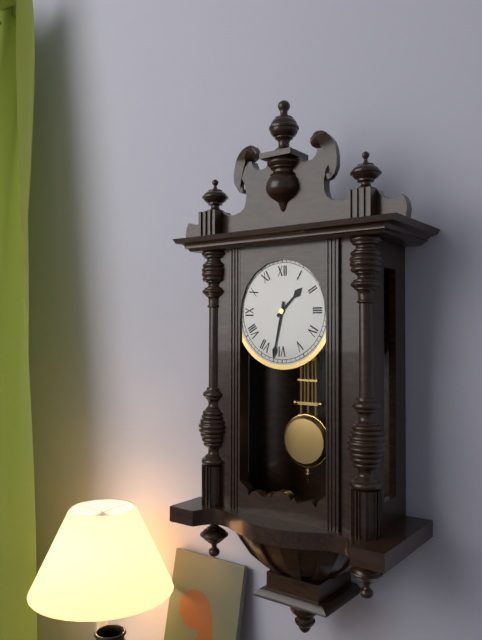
1 h 32 min
